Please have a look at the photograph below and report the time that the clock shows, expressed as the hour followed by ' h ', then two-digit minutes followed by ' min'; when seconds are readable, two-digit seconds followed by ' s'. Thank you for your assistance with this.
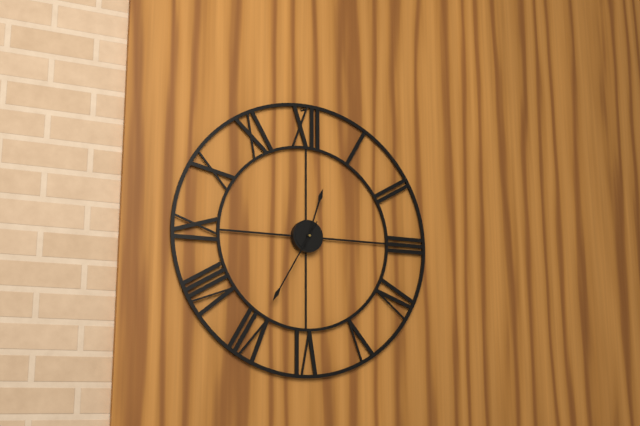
12 h 35 min
